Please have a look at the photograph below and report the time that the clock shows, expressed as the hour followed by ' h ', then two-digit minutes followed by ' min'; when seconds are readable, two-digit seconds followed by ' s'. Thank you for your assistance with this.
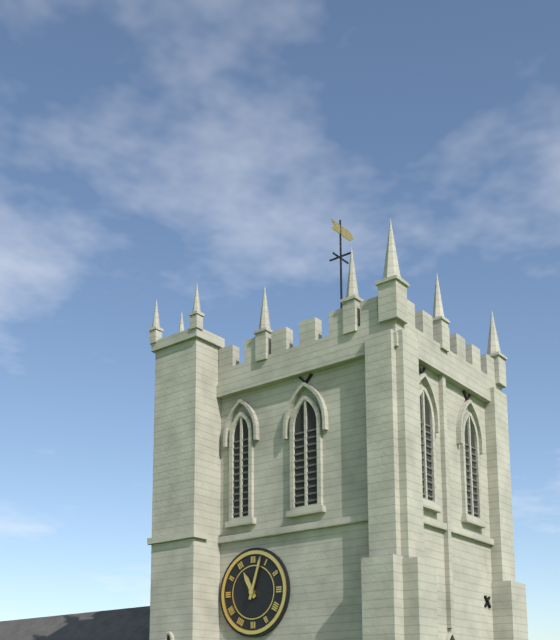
11 h 03 min
